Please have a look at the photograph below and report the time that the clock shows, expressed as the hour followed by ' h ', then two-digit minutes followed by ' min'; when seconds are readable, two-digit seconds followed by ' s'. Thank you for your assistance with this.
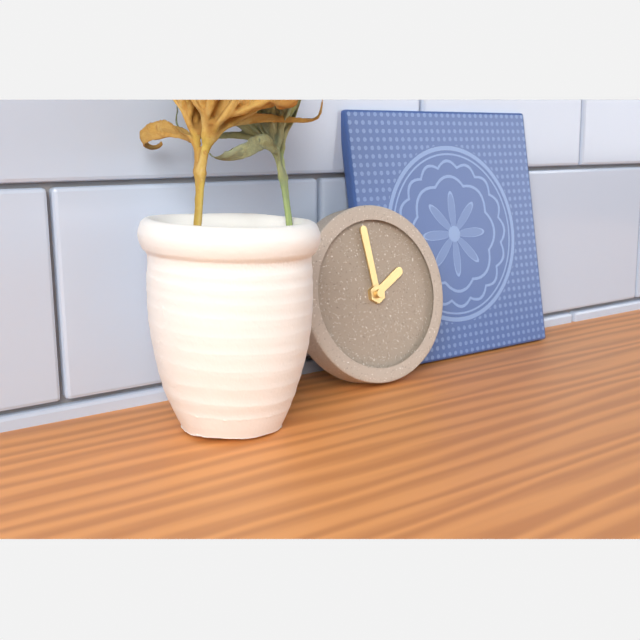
1 h 59 min
